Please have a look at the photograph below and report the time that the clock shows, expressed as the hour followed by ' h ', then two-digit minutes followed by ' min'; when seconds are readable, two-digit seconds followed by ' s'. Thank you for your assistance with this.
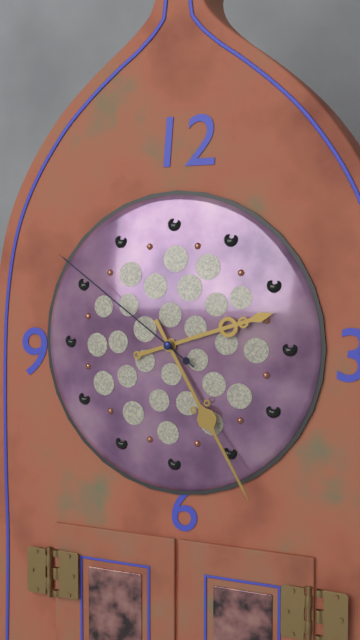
2 h 25 min 51 s
